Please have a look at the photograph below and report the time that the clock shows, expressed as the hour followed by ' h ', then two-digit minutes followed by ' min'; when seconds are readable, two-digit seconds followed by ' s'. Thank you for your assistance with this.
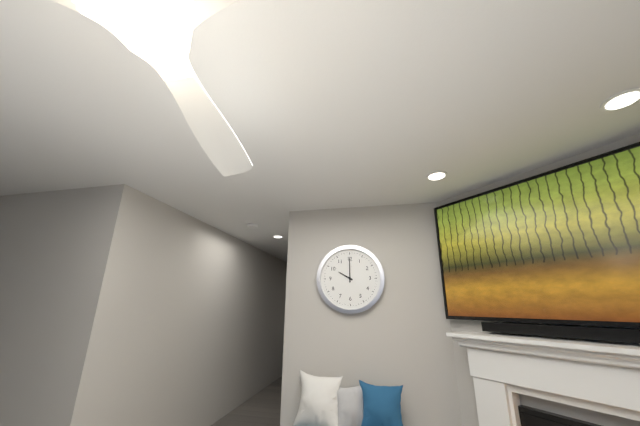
10 h 00 min
